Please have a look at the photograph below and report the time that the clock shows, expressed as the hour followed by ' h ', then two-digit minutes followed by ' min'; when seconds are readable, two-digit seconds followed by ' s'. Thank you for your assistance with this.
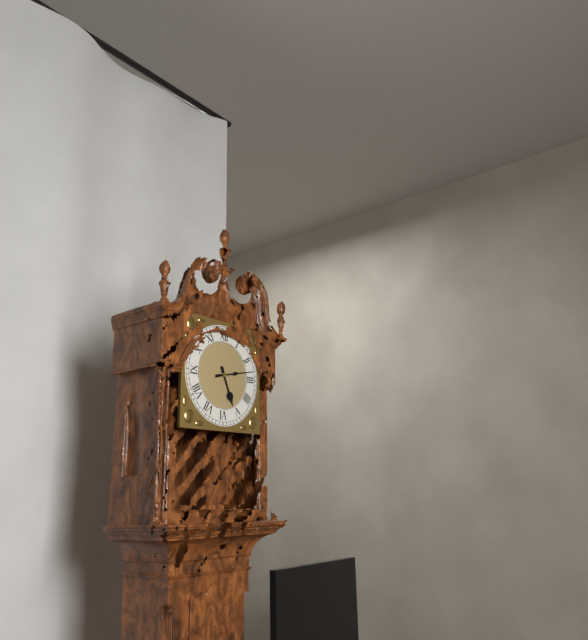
5 h 13 min
